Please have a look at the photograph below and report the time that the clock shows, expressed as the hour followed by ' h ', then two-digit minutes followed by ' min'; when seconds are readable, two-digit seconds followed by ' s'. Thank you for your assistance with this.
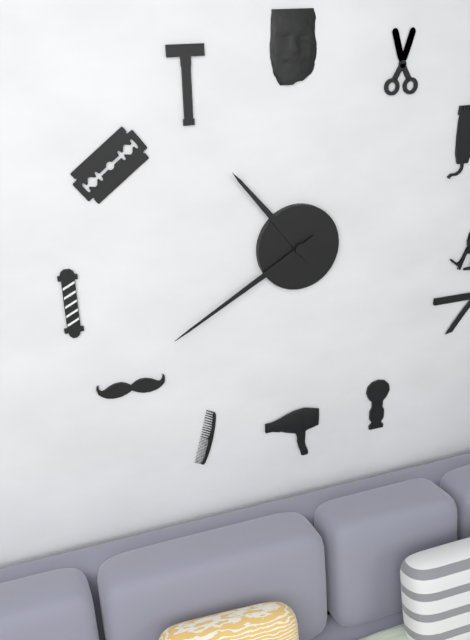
10 h 40 min
